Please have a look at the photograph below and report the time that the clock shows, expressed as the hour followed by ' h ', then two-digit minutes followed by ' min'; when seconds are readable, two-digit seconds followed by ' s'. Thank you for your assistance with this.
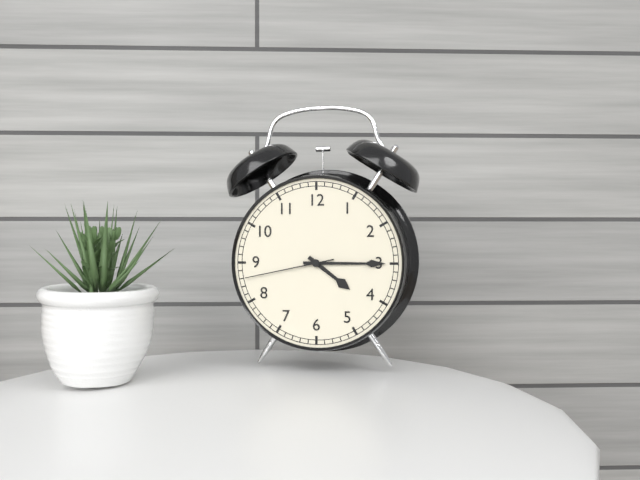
4 h 15 min 43 s
